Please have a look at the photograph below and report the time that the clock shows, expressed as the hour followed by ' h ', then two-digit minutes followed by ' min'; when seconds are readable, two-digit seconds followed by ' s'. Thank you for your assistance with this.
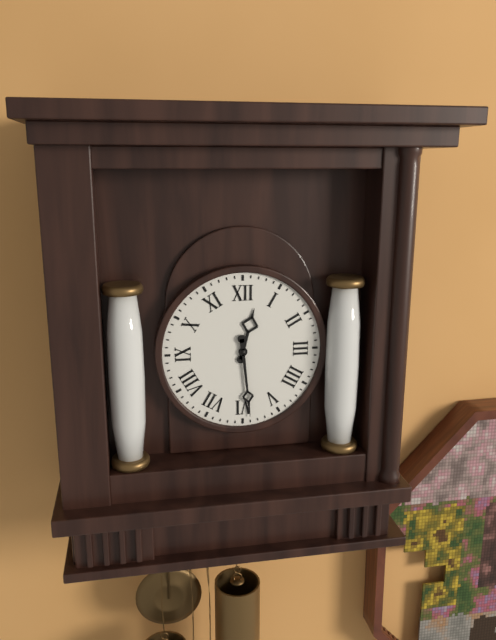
12 h 29 min
